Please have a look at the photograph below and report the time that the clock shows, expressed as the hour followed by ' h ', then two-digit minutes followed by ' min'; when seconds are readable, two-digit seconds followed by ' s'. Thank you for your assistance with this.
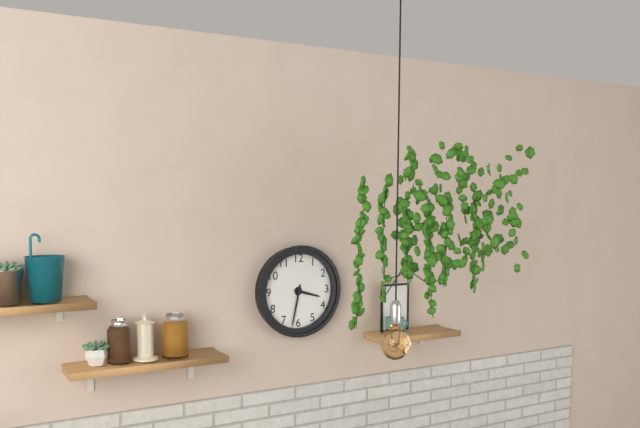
3 h 32 min
